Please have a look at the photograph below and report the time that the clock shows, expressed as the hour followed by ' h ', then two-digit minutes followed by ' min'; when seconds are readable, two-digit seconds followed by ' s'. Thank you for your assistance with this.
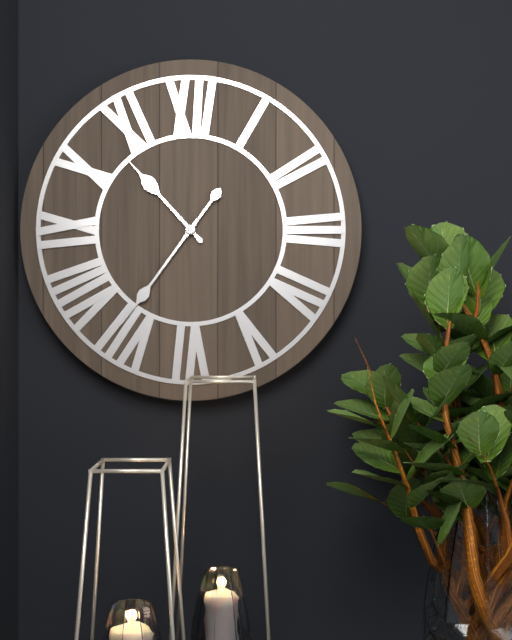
10 h 36 min
